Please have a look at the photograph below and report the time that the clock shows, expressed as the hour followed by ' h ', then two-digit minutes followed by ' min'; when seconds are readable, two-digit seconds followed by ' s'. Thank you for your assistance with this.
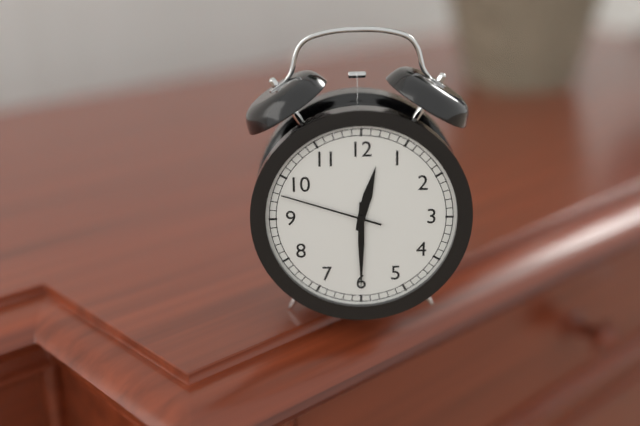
12 h 30 min 48 s
